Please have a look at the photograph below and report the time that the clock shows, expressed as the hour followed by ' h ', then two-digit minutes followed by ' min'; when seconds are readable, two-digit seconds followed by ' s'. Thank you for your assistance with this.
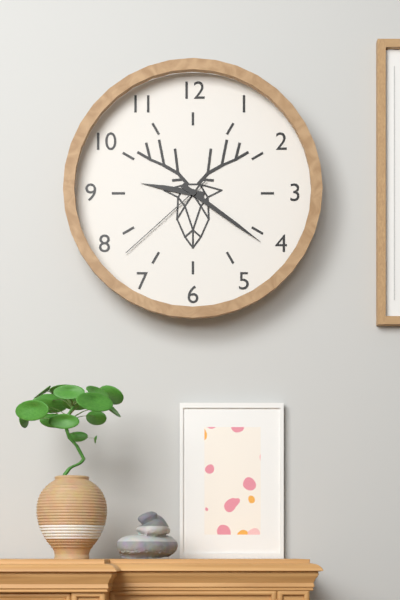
9 h 21 min 38 s
